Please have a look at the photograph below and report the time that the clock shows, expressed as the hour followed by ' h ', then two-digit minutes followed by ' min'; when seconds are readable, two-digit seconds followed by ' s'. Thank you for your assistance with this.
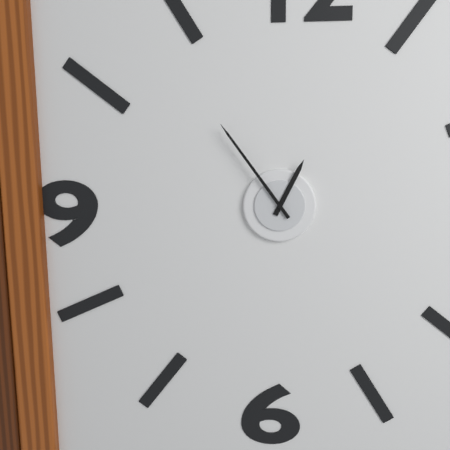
12 h 54 min
